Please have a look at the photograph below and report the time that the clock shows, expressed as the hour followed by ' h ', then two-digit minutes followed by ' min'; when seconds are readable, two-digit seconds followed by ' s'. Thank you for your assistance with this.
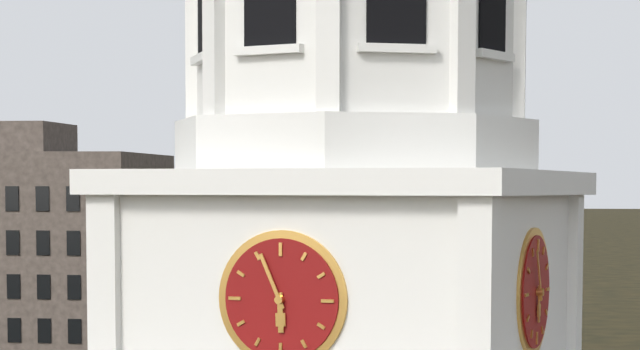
5 h 56 min
